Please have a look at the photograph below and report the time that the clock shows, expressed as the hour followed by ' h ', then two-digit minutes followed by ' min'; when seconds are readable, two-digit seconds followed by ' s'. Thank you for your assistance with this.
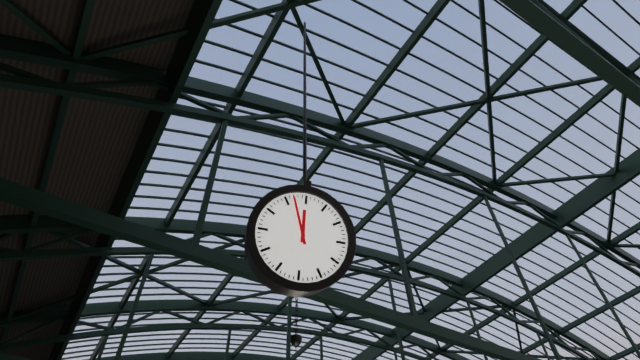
11 h 57 min
